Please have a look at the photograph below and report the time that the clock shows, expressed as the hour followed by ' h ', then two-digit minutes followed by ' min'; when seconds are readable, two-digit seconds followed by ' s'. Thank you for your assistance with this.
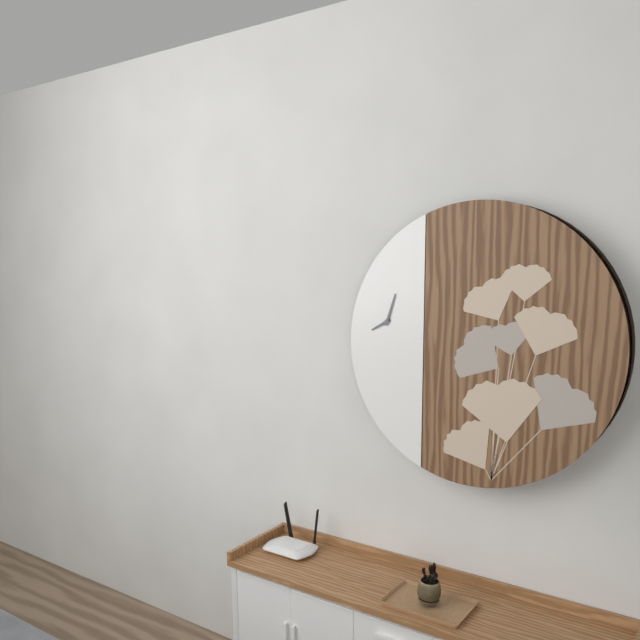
8 h 03 min
